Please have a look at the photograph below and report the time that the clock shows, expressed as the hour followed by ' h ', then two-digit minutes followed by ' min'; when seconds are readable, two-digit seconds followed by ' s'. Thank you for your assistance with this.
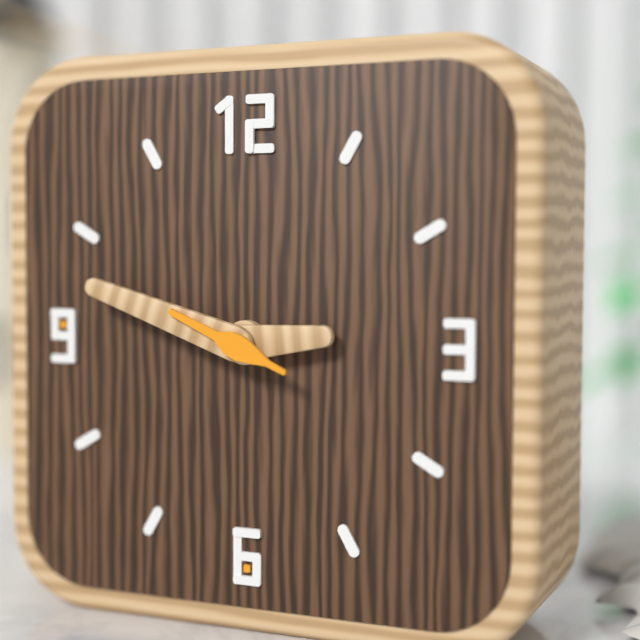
2 h 48 min 49 s
